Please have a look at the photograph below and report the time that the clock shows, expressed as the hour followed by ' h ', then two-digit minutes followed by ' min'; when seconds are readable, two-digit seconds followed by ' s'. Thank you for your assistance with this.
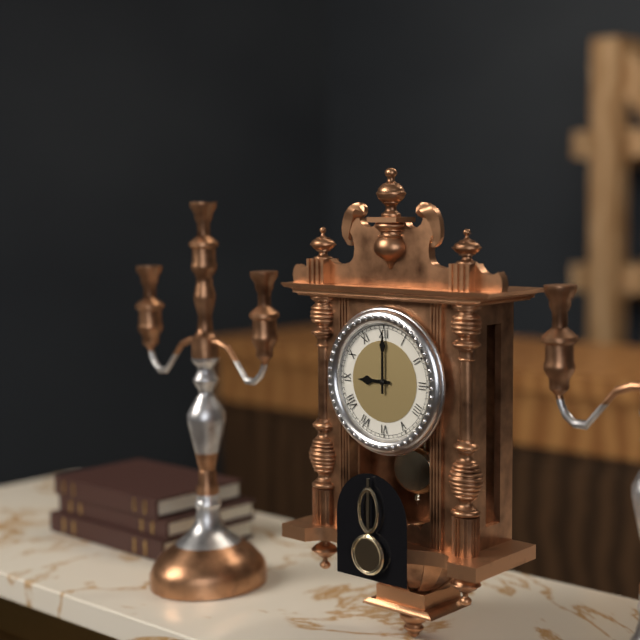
9 h 00 min
